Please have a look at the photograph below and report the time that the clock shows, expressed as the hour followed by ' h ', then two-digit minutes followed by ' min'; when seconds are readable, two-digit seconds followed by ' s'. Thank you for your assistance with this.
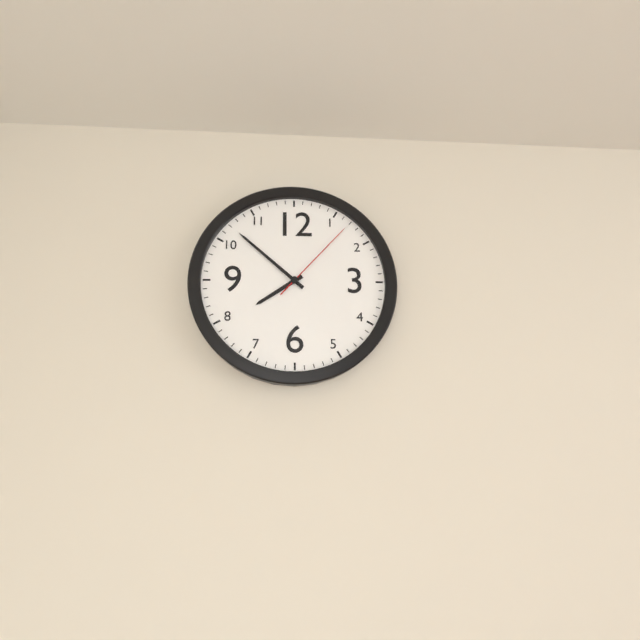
7 h 52 min 07 s
